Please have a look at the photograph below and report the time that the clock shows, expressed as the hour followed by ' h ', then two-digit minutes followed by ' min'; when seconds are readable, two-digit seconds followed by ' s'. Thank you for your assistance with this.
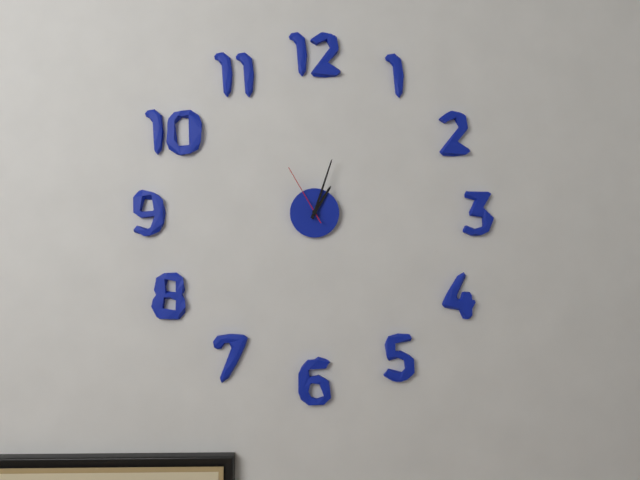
1 h 03 min 55 s
